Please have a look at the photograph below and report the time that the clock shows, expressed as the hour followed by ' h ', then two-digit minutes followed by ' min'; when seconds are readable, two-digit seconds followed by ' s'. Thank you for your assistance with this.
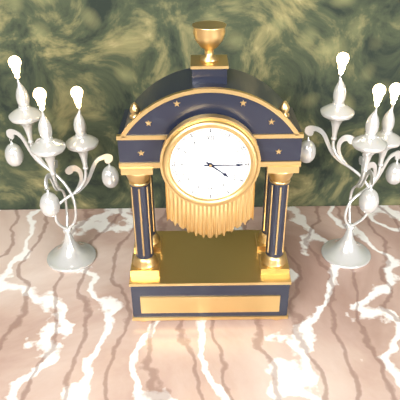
4 h 15 min
